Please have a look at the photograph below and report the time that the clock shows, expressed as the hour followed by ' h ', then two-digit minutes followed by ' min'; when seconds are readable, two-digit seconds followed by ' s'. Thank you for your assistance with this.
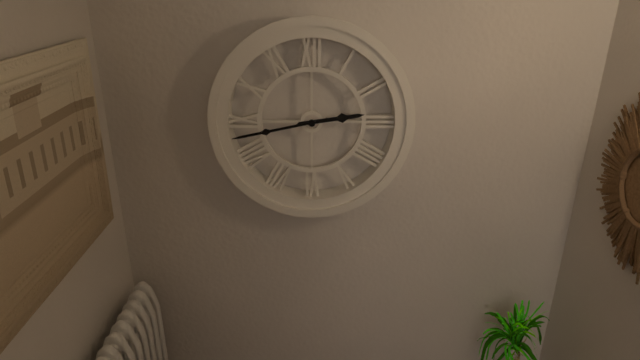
2 h 43 min
